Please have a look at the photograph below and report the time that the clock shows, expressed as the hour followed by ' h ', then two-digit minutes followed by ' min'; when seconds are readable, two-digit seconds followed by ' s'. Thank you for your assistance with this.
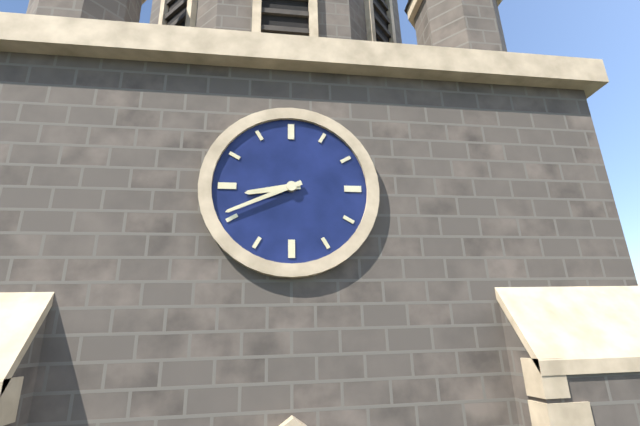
8 h 41 min
